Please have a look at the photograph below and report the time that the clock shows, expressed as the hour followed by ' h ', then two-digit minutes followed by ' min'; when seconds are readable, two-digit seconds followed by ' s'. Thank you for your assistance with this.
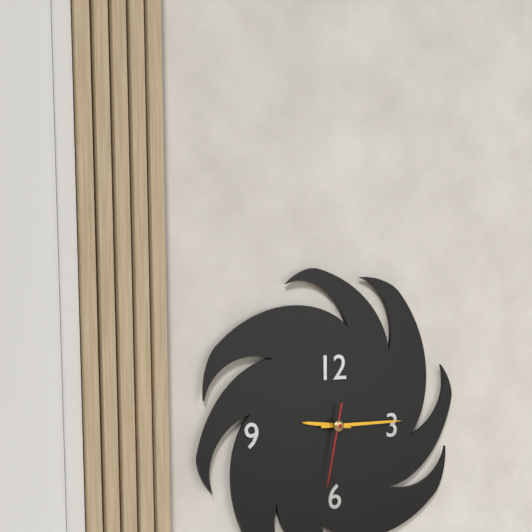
9 h 15 min 32 s
